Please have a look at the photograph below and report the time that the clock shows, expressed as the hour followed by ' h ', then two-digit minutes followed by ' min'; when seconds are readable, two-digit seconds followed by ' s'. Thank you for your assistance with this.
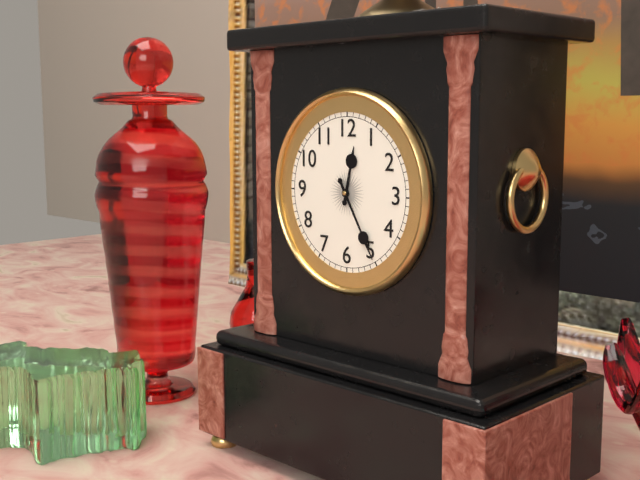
12 h 25 min
